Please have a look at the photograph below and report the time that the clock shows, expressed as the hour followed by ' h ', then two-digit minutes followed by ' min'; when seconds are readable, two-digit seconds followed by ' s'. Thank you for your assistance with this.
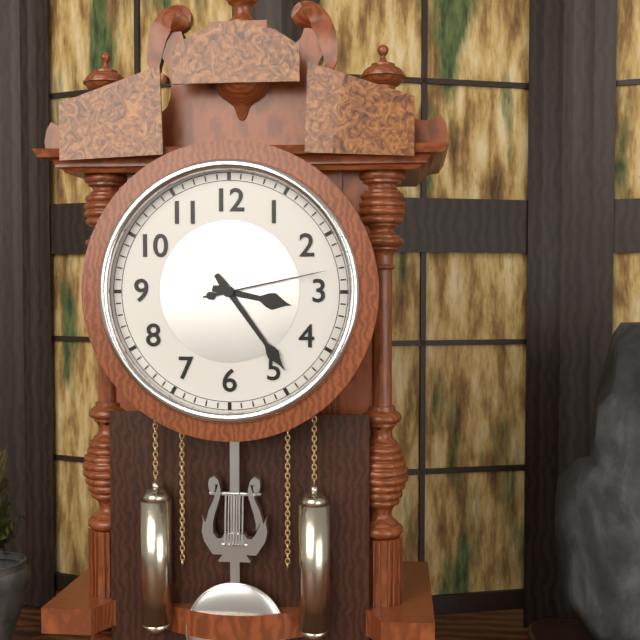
3 h 24 min 13 s
